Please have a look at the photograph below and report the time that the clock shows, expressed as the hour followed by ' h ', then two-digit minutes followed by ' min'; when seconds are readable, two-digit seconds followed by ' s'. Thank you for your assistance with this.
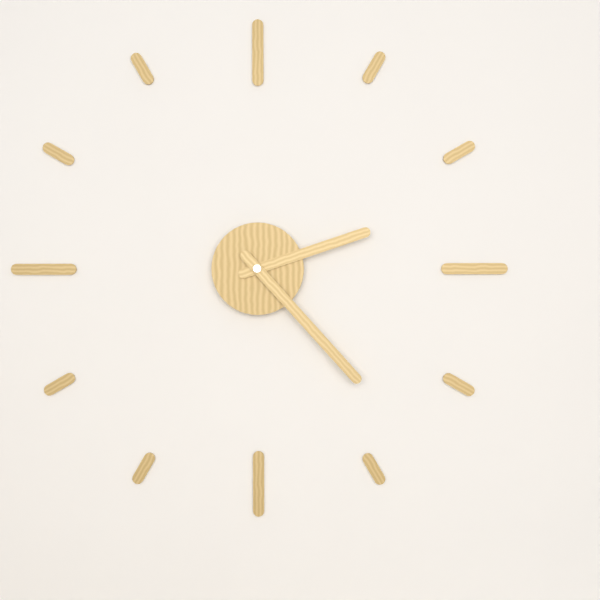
2 h 23 min
